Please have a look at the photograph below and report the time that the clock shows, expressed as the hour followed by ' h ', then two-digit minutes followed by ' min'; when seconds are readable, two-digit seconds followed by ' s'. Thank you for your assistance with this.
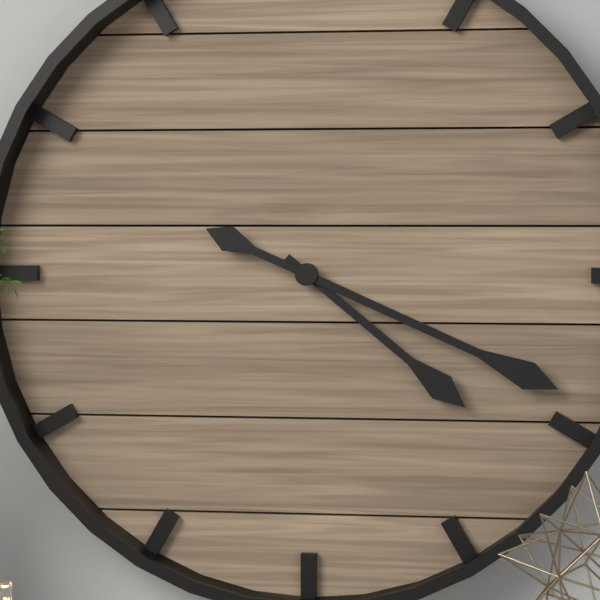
4 h 19 min
